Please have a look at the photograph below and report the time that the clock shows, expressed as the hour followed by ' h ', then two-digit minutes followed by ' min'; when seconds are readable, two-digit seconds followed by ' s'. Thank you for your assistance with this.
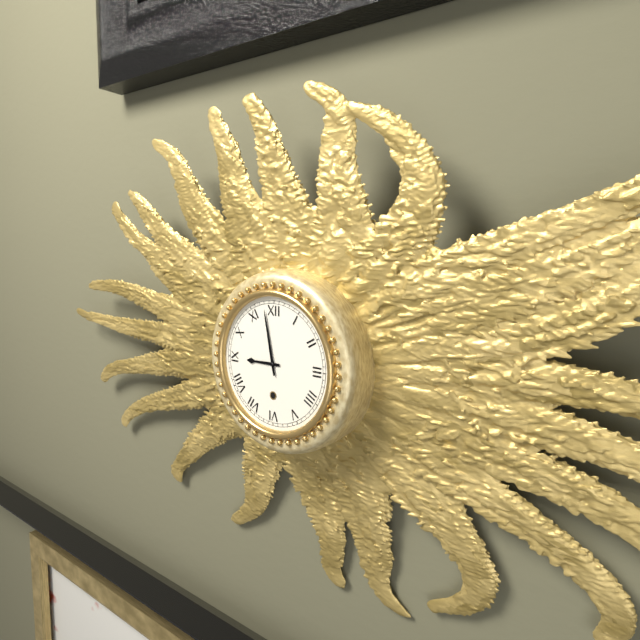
8 h 58 min
